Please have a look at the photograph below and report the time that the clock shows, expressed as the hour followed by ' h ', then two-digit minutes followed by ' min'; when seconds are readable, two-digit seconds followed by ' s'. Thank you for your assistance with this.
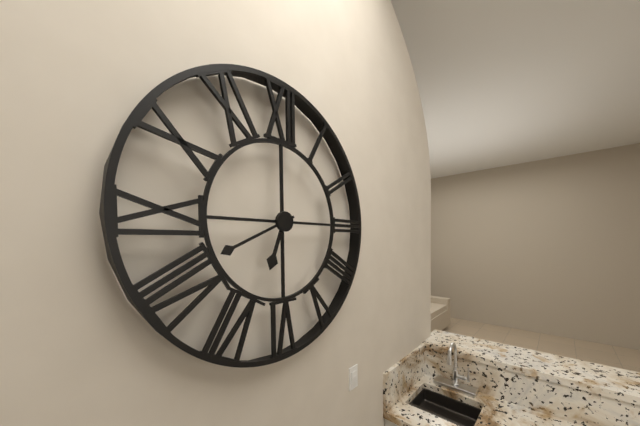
6 h 41 min
